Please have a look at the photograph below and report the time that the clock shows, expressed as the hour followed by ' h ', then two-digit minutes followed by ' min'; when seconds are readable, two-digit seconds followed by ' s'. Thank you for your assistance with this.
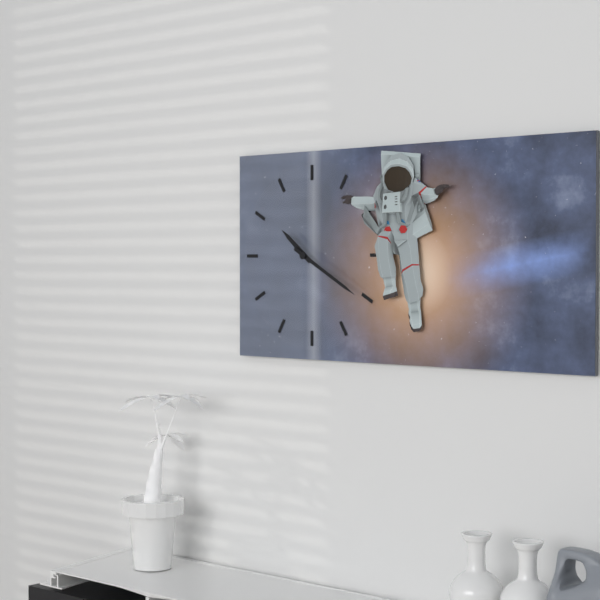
10 h 20 min
